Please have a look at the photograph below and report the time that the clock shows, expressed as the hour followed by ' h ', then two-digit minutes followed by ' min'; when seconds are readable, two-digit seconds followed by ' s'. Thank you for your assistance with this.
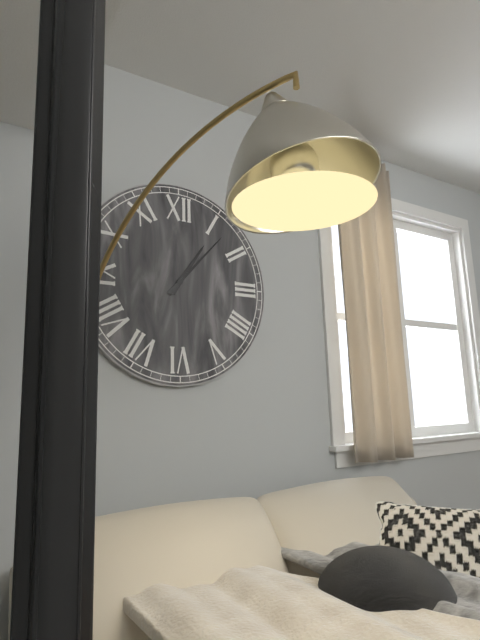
1 h 07 min
